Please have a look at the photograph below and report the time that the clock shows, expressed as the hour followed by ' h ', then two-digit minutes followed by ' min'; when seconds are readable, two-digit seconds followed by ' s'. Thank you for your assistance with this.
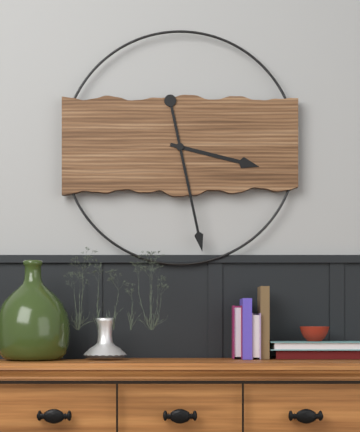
3 h 28 min
